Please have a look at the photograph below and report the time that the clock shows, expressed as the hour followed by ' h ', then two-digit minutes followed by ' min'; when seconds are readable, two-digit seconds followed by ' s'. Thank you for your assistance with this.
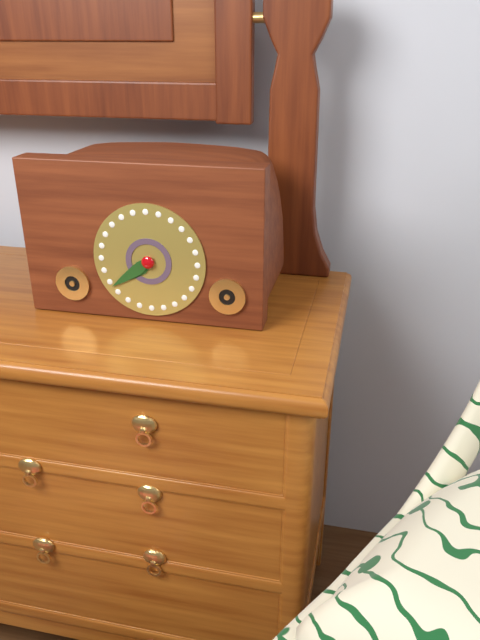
7 h 39 min
